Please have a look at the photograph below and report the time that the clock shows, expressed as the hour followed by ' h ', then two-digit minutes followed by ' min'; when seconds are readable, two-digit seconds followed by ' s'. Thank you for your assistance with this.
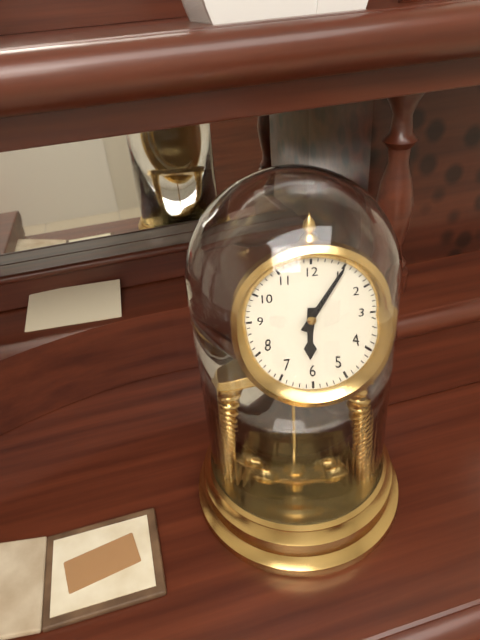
6 h 05 min
